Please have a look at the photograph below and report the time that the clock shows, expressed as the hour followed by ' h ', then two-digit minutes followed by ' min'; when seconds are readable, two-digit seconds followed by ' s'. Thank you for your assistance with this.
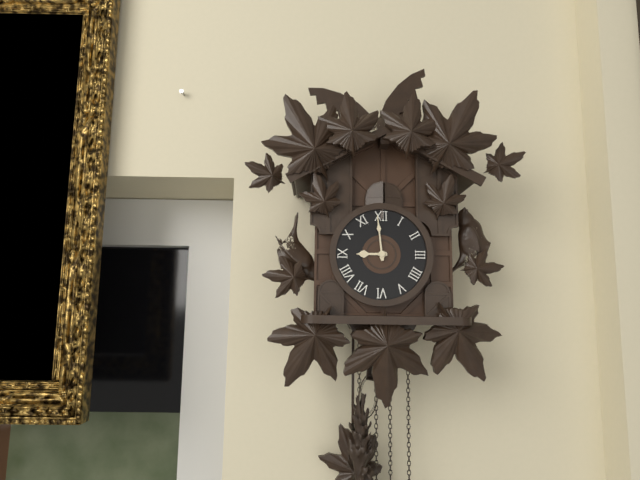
8 h 59 min
